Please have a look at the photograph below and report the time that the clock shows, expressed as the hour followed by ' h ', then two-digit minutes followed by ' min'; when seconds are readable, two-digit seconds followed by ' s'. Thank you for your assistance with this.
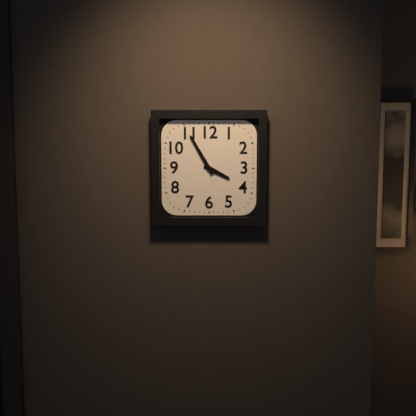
3 h 55 min
